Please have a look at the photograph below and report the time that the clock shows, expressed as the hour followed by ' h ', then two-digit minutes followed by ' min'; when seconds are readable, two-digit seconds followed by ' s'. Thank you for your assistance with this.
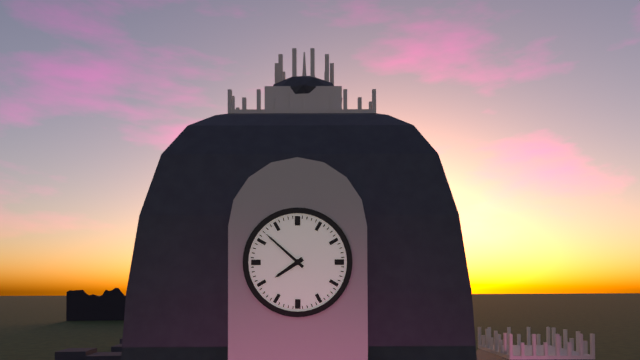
7 h 52 min
